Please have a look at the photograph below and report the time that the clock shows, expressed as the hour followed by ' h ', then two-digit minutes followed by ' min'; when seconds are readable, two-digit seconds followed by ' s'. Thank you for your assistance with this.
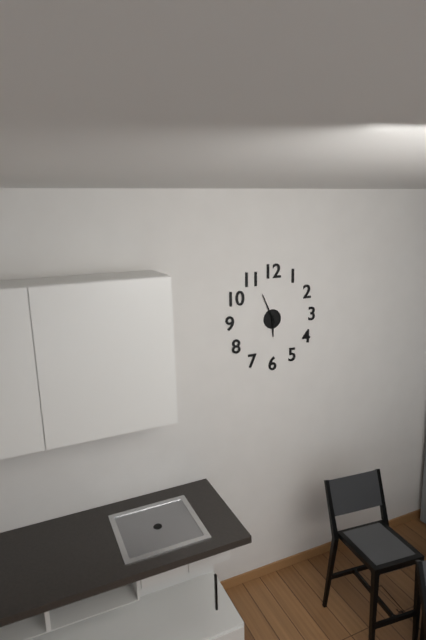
5 h 56 min
